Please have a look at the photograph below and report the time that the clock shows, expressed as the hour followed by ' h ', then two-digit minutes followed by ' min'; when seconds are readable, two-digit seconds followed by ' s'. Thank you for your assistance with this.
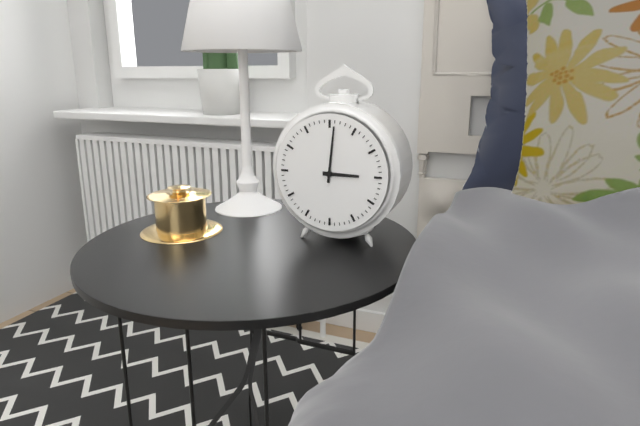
3 h 01 min
